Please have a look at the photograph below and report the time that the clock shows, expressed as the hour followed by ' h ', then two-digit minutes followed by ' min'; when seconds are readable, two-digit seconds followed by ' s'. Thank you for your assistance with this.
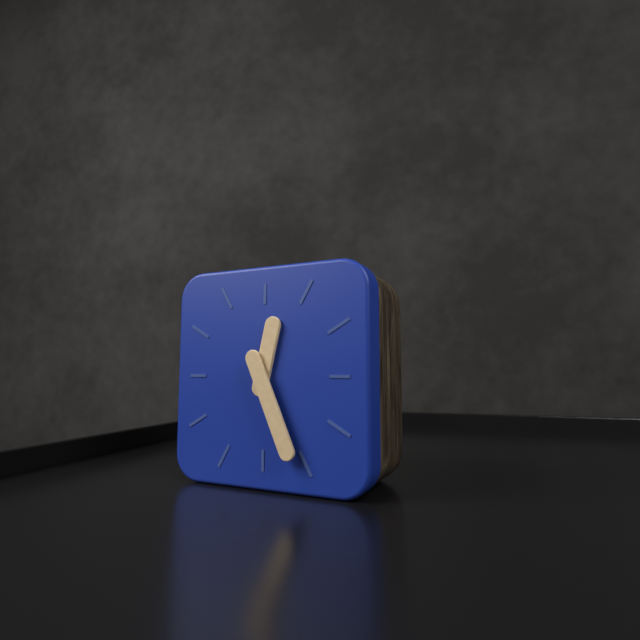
12 h 26 min
